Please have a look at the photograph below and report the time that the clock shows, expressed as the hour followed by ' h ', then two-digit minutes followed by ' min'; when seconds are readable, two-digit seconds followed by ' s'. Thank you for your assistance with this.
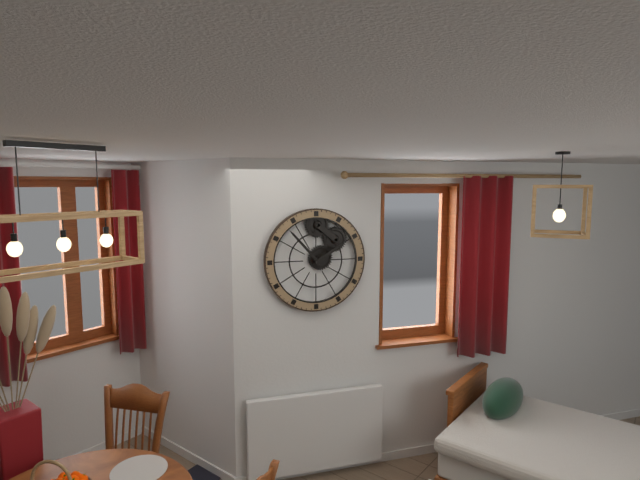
1 h 53 min
